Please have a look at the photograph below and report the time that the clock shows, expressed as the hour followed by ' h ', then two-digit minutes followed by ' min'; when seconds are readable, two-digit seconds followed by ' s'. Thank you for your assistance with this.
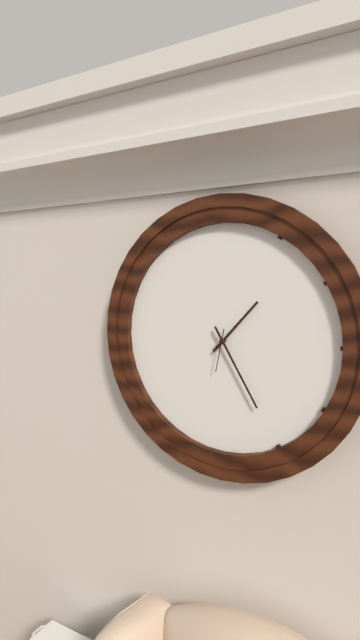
1 h 25 min
